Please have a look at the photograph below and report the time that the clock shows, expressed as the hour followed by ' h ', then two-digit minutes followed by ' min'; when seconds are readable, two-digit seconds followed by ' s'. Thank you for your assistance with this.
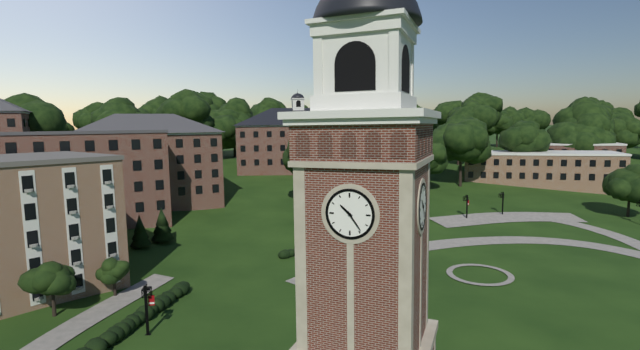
10 h 24 min
